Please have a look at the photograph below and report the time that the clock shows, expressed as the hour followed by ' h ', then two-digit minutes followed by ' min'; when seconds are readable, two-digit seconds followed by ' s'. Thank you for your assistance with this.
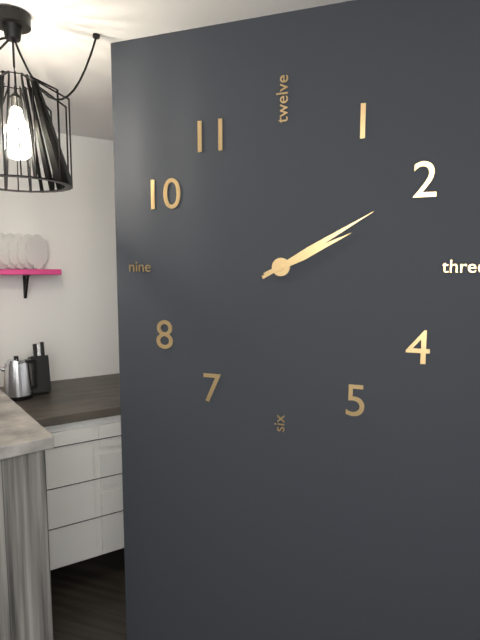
2 h 10 min
